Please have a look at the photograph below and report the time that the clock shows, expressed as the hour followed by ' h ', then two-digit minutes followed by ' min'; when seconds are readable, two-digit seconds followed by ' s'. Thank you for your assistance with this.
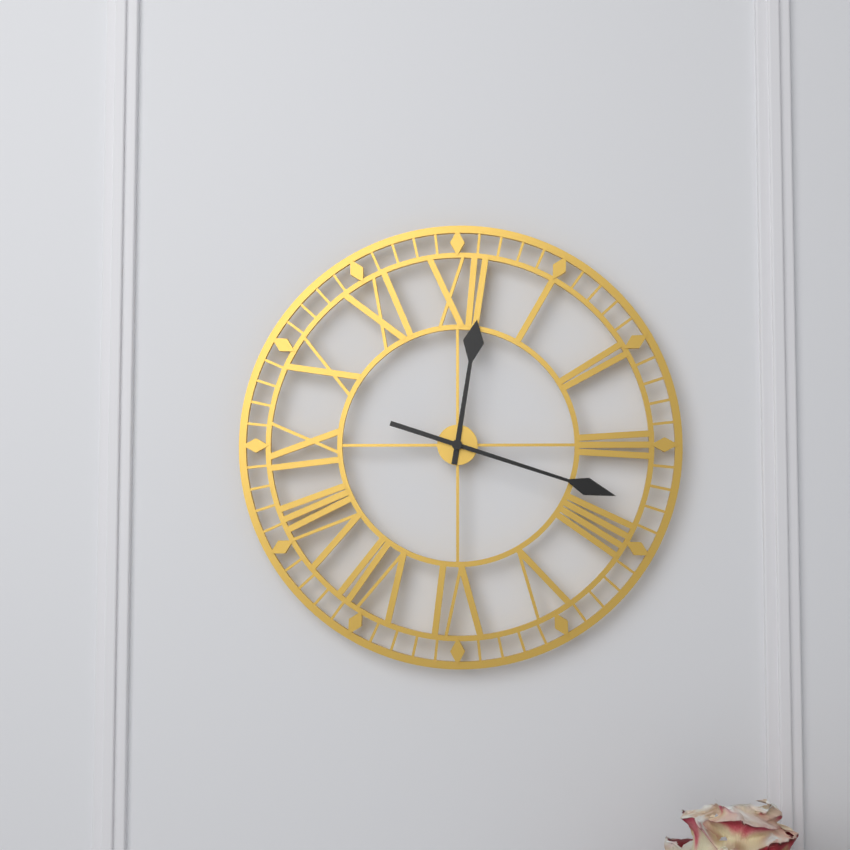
12 h 18 min
